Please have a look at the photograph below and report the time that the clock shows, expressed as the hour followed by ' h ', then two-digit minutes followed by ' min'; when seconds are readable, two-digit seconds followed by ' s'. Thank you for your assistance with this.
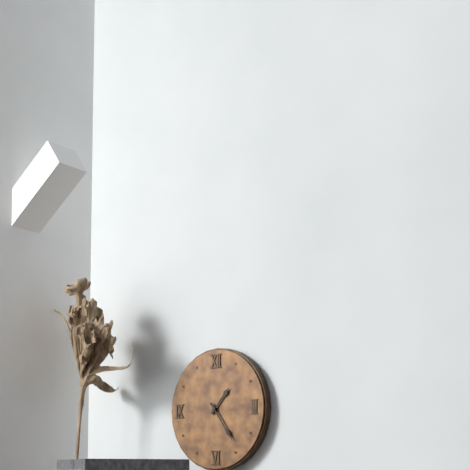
1 h 24 min
